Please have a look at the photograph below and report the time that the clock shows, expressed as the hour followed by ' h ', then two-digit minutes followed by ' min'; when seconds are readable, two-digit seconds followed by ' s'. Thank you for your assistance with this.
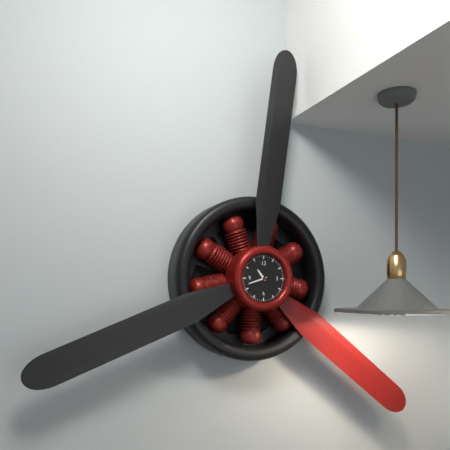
10 h 42 min
